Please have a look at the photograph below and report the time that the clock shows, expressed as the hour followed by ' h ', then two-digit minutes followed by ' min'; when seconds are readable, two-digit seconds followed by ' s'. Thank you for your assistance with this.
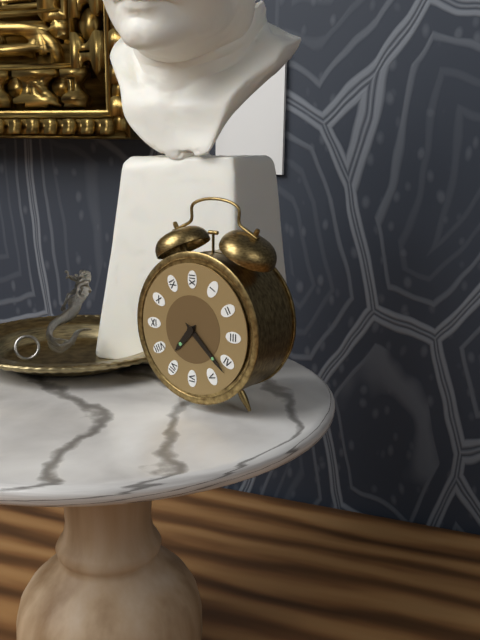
7 h 22 min
